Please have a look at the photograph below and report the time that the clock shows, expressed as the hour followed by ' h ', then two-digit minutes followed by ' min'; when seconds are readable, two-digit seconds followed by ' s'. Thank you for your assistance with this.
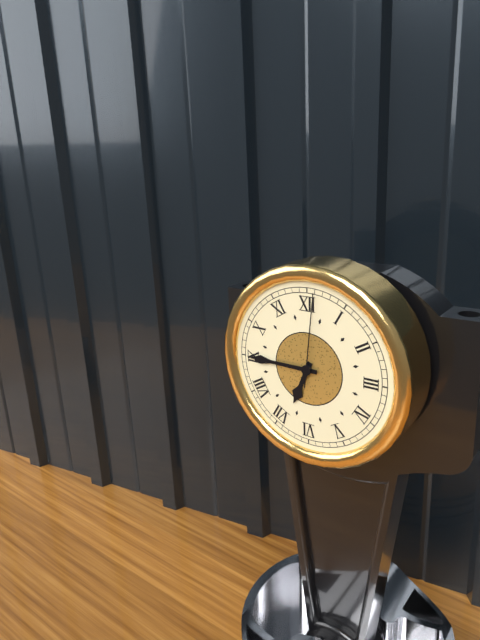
6 h 45 min 01 s
